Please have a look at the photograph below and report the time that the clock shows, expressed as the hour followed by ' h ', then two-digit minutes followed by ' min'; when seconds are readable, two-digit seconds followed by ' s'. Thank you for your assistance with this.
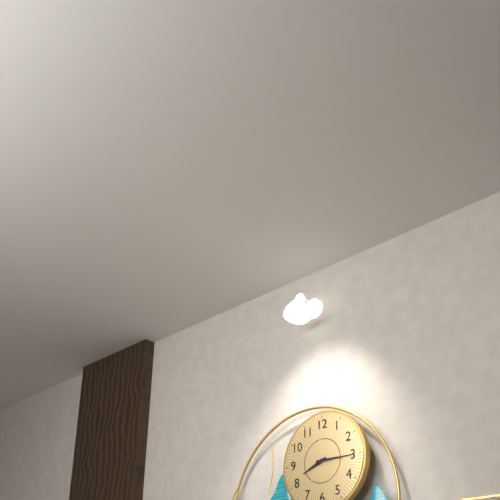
8 h 15 min
